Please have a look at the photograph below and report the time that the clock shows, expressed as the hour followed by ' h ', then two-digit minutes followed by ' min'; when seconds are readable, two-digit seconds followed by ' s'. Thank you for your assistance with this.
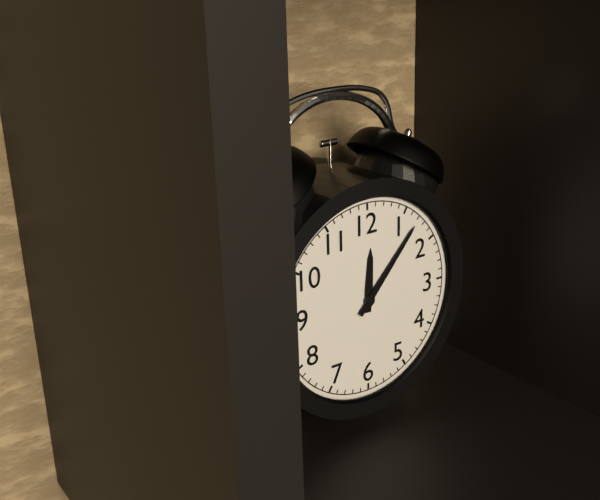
12 h 07 min
